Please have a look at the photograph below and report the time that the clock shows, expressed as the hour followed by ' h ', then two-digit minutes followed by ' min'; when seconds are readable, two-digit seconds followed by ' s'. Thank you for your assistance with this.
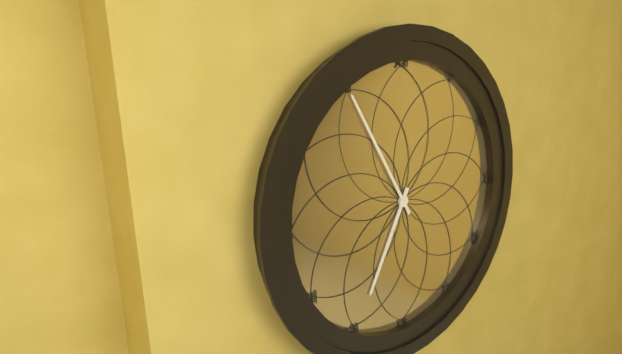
6 h 55 min
